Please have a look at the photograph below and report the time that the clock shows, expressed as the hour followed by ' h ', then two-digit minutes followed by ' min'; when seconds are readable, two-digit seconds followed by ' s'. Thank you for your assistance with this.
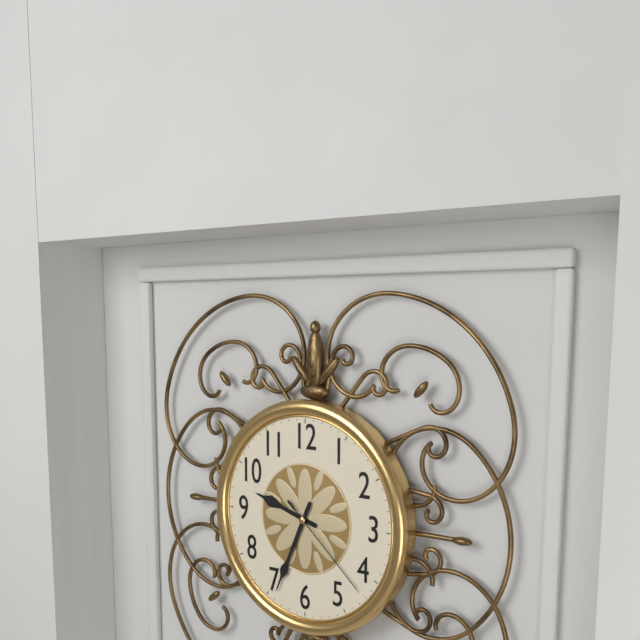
9 h 34 min 22 s
